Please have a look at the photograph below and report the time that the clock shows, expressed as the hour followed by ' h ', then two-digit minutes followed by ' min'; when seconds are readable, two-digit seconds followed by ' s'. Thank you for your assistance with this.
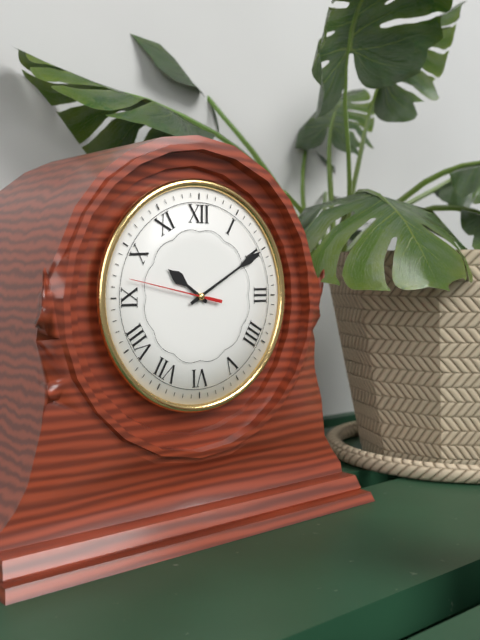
10 h 10 min 47 s
